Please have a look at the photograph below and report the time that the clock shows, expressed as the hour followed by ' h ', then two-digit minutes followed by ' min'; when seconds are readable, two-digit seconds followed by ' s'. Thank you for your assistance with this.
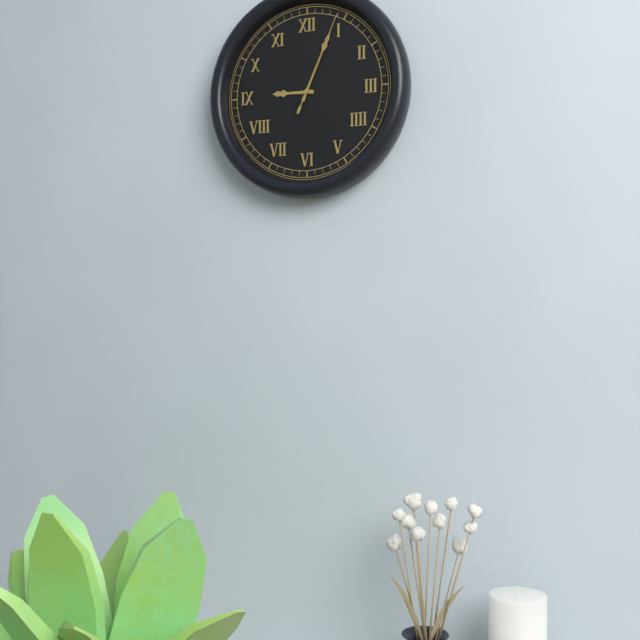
9 h 04 min 04 s
